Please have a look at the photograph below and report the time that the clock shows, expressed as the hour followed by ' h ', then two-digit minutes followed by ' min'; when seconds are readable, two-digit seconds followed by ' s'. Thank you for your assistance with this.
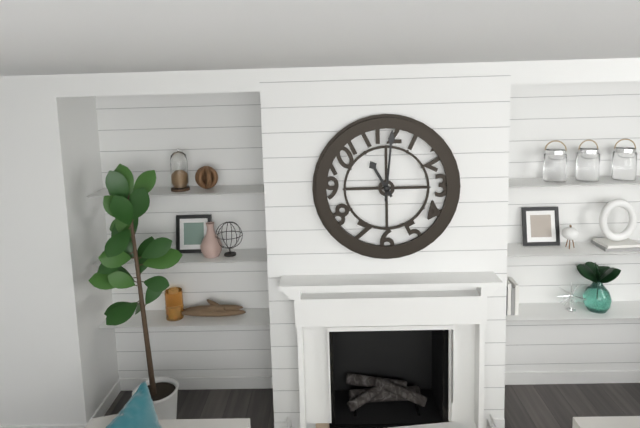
11 h 01 min
